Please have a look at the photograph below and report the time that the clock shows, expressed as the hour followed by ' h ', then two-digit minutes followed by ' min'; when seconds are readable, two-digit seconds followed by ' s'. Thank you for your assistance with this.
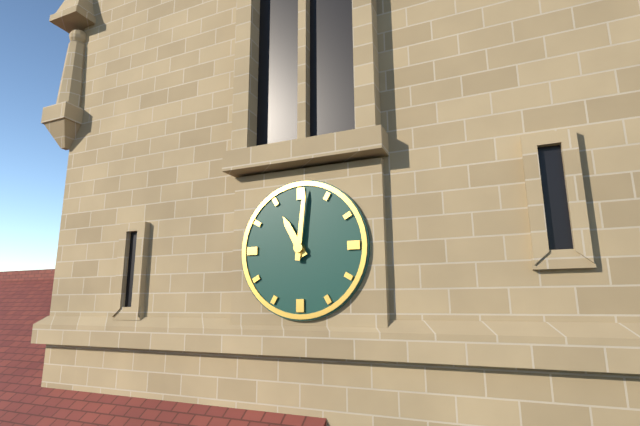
11 h 01 min
